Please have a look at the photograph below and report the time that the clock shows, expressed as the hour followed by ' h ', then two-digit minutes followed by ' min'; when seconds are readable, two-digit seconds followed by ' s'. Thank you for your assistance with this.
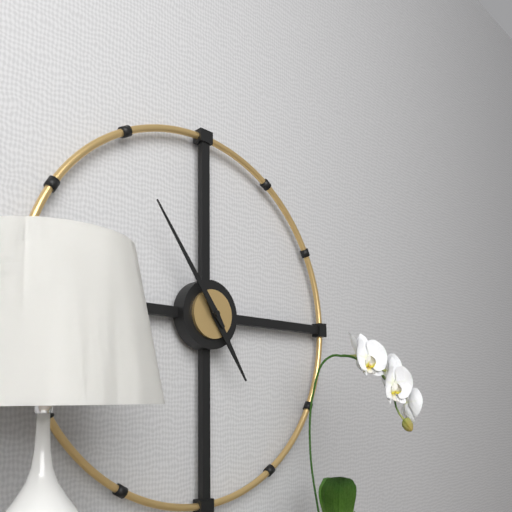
4 h 54 min
